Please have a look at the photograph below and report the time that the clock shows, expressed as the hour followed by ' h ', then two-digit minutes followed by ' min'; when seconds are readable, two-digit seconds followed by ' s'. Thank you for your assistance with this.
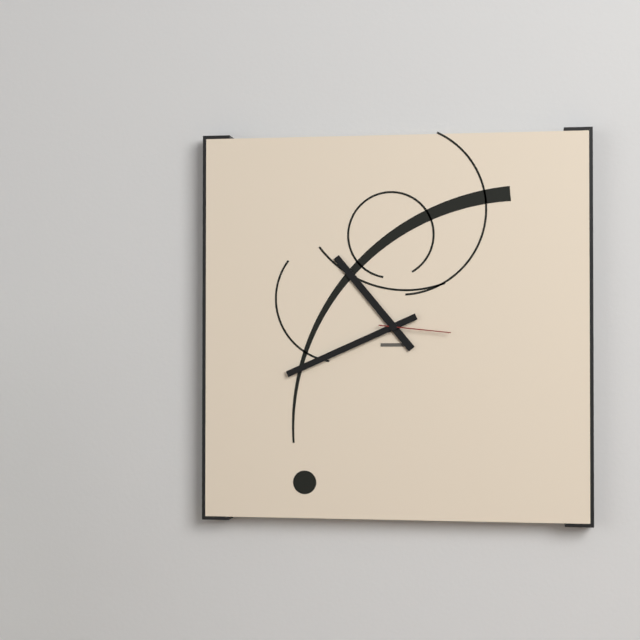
10 h 41 min 16 s
